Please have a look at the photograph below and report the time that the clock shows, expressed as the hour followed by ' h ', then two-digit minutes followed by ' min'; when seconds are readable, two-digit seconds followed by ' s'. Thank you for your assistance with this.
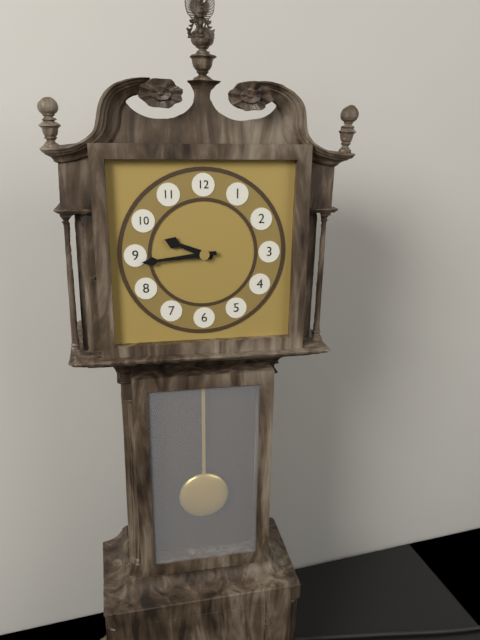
9 h 44 min
